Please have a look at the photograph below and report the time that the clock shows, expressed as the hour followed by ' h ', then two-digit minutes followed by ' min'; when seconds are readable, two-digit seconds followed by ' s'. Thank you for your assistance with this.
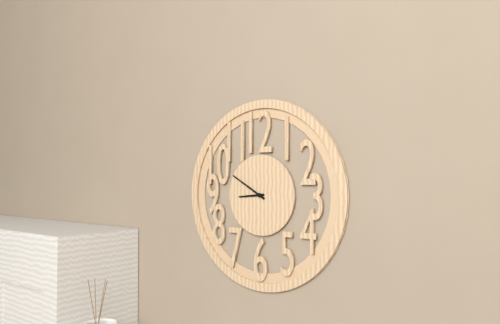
8 h 50 min
